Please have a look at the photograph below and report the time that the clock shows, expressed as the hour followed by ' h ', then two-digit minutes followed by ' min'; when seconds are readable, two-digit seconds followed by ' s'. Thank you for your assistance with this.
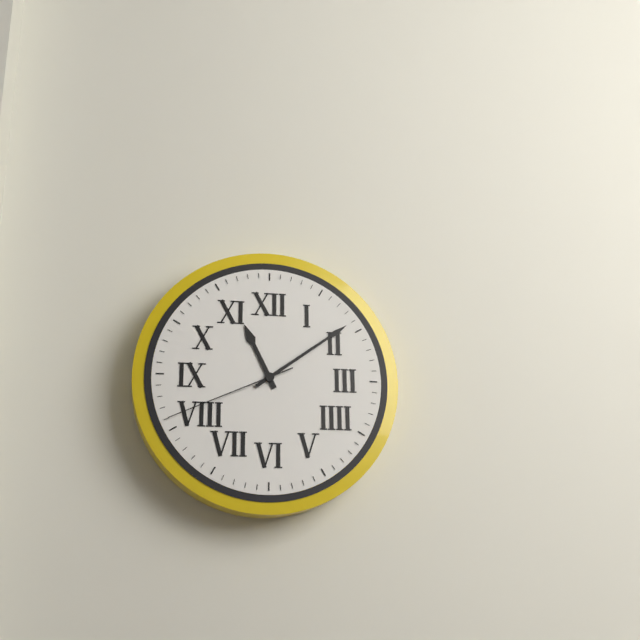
11 h 09 min 41 s
